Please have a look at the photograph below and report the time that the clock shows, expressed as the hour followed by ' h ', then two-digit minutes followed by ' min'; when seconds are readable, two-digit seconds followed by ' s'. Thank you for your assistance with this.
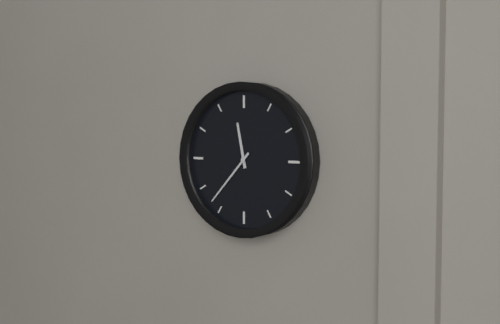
11 h 37 min
